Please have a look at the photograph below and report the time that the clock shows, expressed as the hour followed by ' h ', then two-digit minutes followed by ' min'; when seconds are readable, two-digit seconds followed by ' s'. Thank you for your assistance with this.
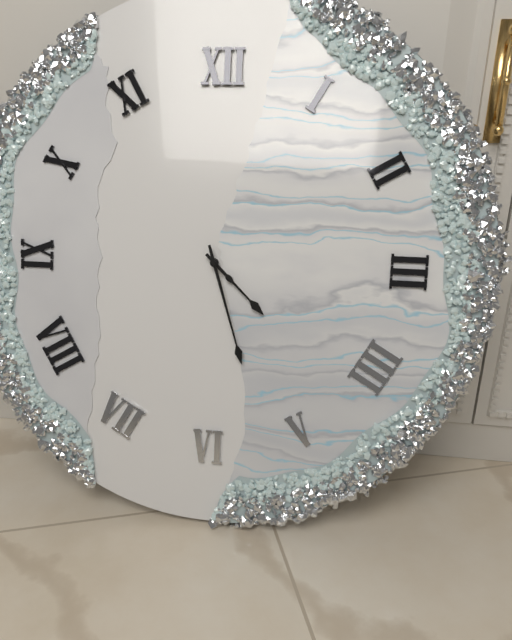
4 h 27 min
